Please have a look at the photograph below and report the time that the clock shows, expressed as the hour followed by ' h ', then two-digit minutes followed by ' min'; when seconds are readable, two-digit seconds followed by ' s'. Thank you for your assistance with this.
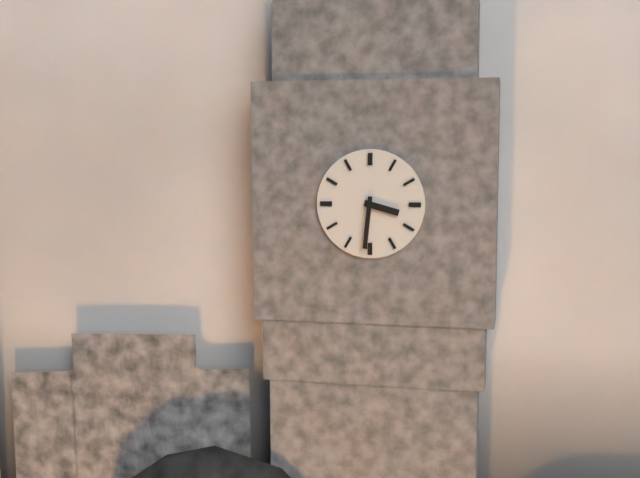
3 h 31 min
